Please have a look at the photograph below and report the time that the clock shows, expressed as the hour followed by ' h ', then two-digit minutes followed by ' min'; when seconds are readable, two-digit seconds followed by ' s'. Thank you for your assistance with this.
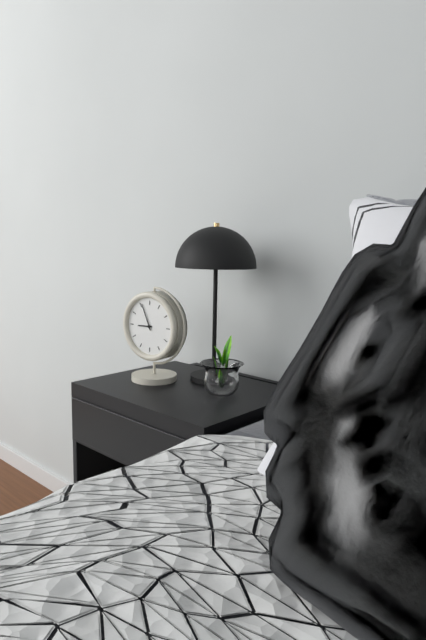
8 h 56 min
